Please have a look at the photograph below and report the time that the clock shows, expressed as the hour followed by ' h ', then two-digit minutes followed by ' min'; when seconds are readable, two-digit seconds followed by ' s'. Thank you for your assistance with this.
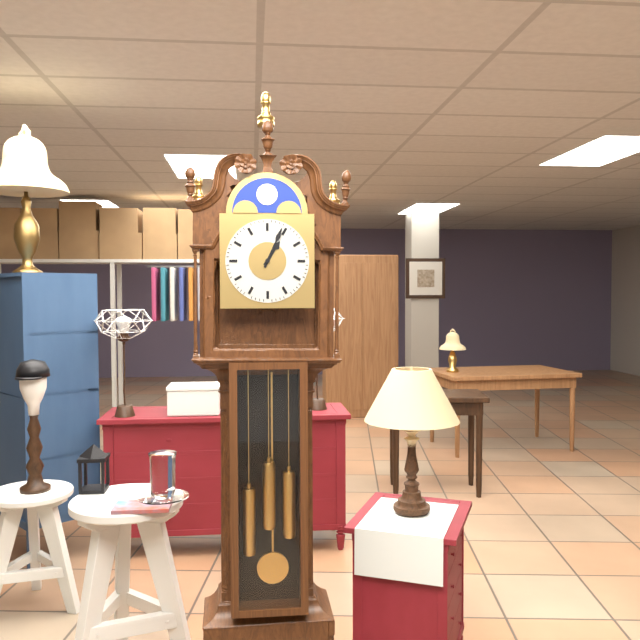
1 h 04 min
